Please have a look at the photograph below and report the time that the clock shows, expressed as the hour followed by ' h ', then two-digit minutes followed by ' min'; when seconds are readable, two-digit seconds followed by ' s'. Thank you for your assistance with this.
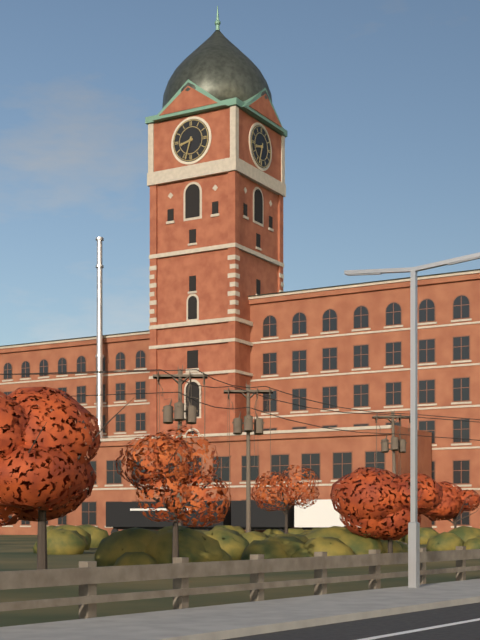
8 h 33 min
